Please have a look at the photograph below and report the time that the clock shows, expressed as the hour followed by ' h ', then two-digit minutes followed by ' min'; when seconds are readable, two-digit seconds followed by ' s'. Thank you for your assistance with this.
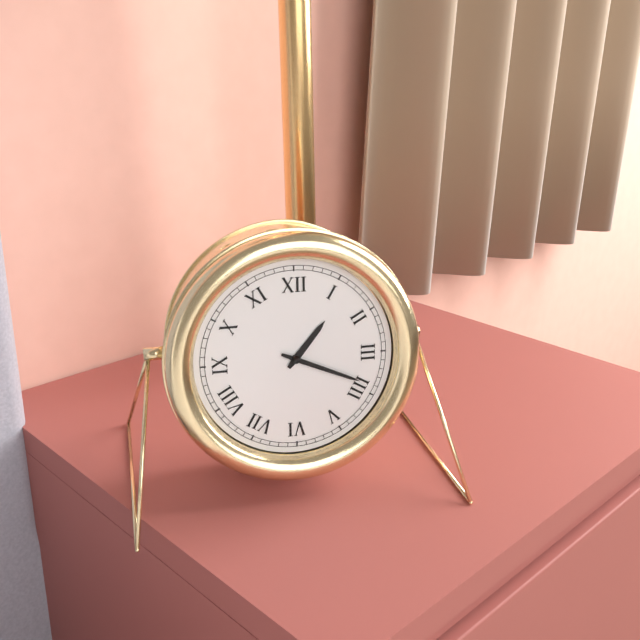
1 h 19 min
